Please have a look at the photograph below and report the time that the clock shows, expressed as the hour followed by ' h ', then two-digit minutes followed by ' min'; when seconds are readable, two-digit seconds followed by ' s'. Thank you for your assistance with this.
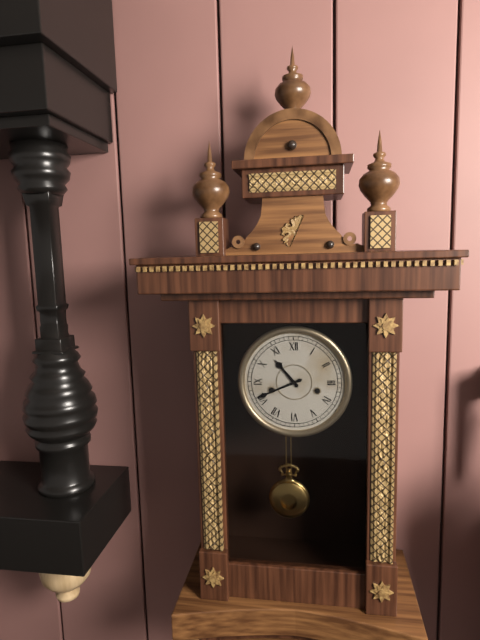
10 h 41 min
